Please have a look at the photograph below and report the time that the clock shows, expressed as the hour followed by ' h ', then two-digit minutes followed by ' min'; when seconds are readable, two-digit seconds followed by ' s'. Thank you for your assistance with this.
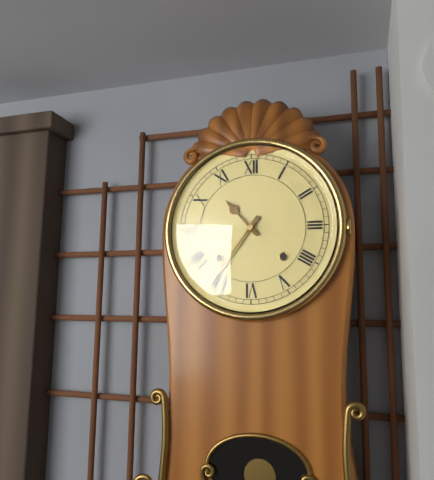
10 h 36 min
